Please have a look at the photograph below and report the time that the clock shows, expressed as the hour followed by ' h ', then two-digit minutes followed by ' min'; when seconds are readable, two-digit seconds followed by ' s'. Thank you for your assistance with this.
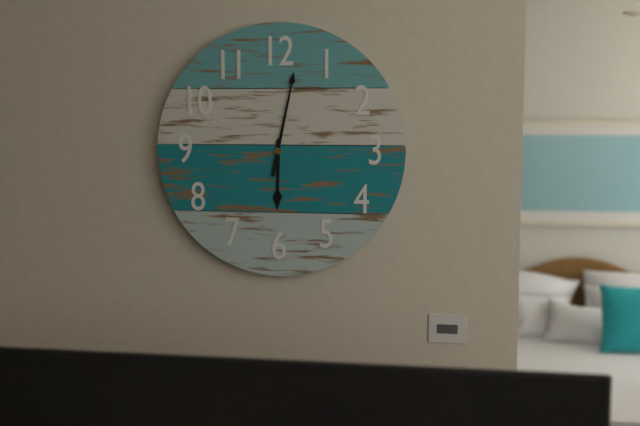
6 h 02 min
